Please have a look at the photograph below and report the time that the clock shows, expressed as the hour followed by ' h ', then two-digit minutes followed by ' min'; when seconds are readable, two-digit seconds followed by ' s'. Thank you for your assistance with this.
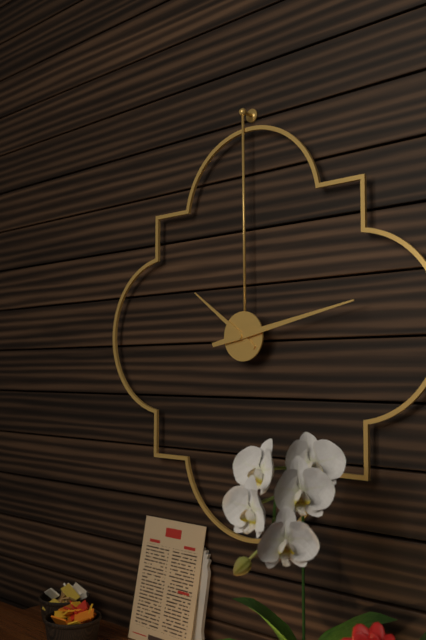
10 h 13 min
